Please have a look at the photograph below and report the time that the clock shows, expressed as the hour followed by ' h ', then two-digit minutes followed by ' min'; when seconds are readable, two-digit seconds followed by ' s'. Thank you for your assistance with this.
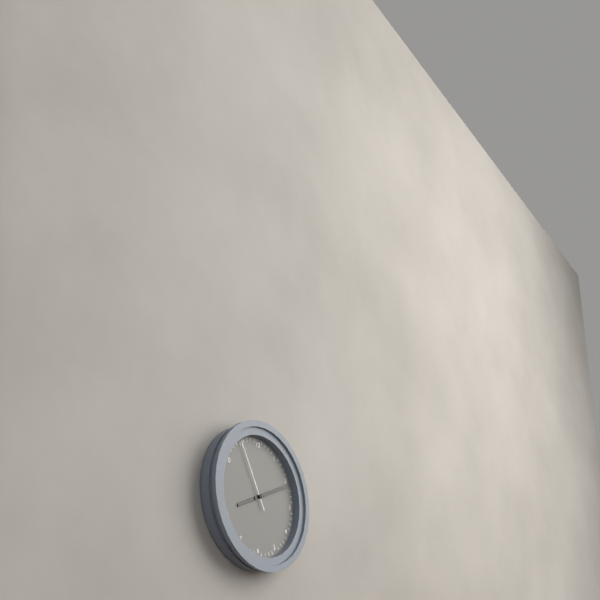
8 h 11 min 55 s
